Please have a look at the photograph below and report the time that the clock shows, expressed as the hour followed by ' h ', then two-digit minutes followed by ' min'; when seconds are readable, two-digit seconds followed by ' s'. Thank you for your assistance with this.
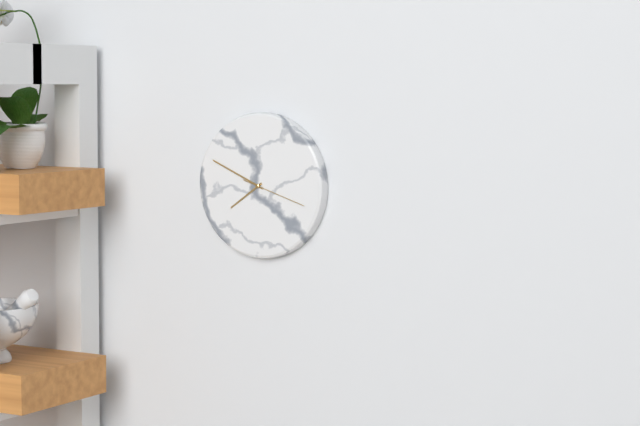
7 h 49 min 18 s
